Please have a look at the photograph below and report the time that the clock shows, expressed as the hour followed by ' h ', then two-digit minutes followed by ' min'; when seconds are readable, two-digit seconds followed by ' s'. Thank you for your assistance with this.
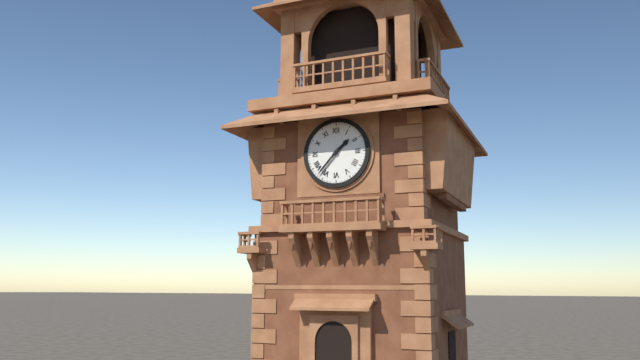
1 h 37 min
